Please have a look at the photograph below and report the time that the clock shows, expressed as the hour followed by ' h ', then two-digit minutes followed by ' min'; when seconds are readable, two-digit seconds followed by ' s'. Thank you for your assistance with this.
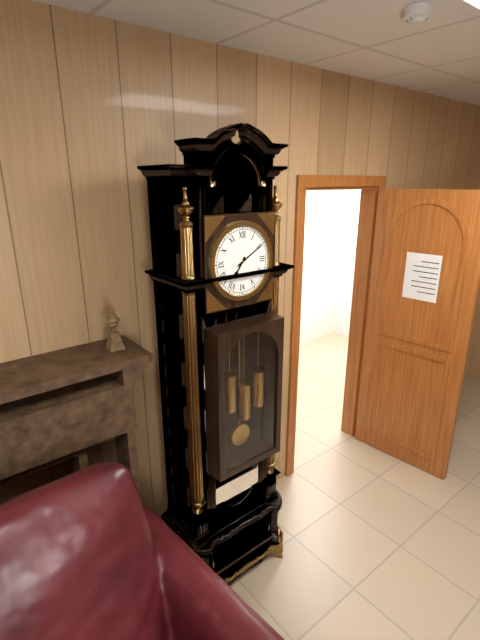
7 h 10 min
